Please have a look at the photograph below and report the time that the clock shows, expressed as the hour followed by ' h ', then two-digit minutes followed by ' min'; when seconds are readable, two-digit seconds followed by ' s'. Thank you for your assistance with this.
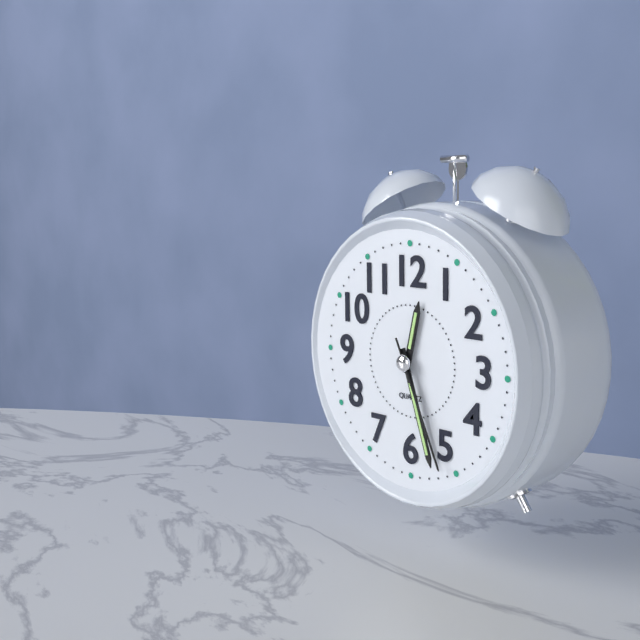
12 h 27 min 26 s
